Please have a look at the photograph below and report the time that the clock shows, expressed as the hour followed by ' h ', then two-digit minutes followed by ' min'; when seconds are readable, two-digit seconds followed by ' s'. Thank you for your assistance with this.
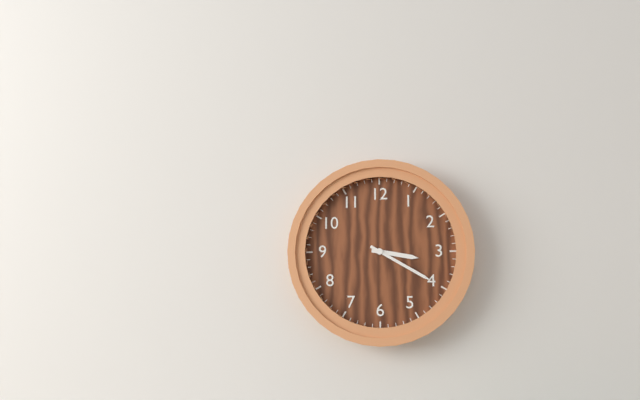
3 h 20 min
